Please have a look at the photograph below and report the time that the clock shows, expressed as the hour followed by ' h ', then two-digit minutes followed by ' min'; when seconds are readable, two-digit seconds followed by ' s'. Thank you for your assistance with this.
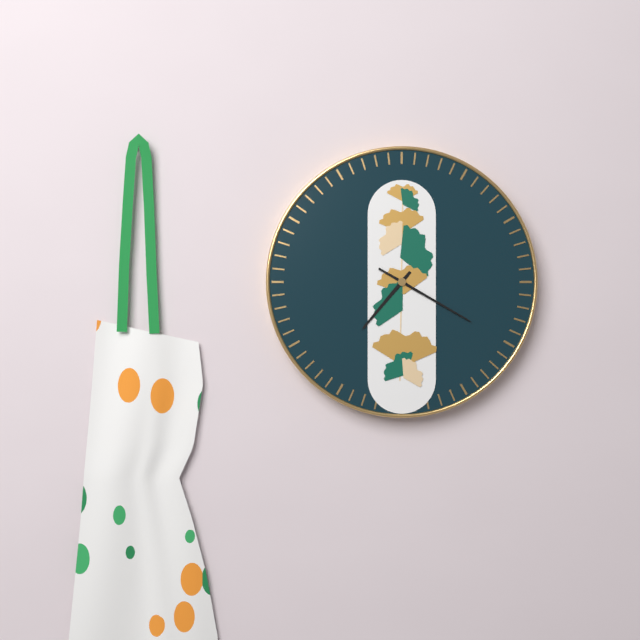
7 h 20 min
